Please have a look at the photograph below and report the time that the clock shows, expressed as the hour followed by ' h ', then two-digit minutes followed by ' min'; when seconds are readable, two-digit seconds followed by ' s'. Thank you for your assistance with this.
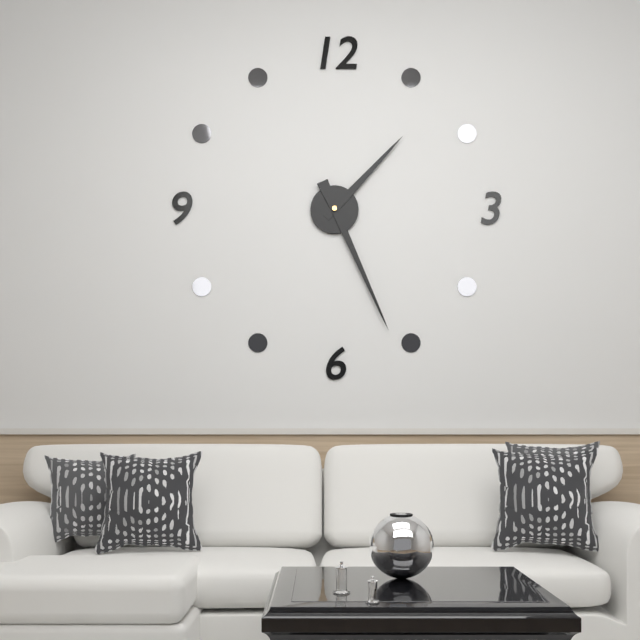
1 h 26 min
